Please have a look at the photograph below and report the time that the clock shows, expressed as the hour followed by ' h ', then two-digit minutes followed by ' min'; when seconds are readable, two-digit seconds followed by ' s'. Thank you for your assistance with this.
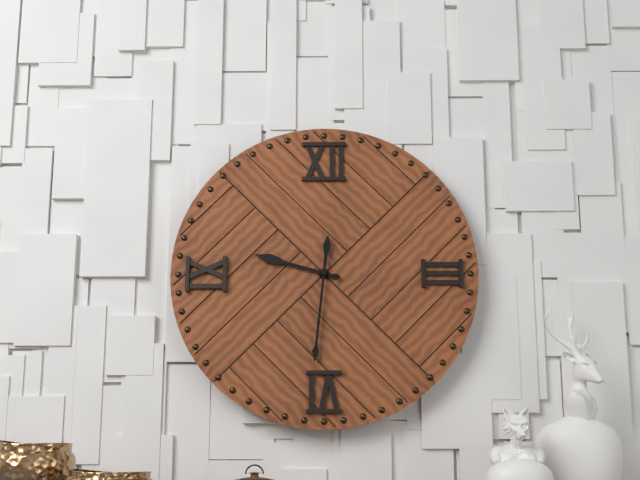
9 h 31 min
